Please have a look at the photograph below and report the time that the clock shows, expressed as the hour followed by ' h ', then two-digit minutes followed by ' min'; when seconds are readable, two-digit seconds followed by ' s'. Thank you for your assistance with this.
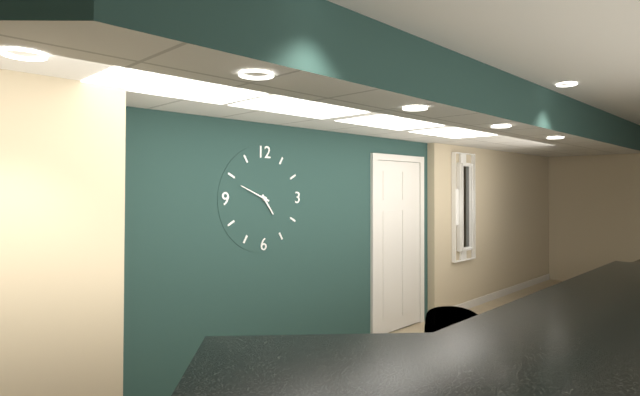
4 h 49 min
